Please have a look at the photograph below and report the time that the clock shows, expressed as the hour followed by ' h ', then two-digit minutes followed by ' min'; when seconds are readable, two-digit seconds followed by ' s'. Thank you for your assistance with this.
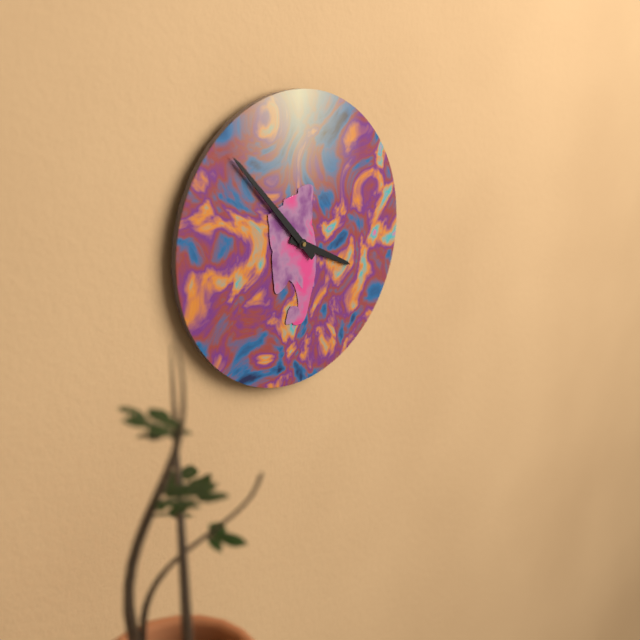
3 h 53 min
